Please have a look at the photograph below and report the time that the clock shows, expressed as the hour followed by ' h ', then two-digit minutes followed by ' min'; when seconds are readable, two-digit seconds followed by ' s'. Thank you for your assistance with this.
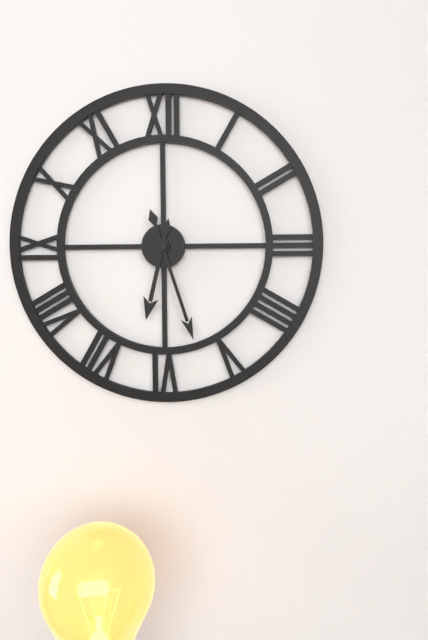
6 h 27 min
